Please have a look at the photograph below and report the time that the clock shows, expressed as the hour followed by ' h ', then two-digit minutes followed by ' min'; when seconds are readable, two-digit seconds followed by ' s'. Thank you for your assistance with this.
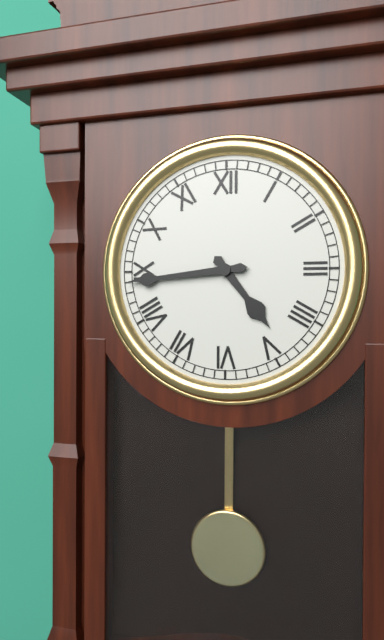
4 h 44 min
